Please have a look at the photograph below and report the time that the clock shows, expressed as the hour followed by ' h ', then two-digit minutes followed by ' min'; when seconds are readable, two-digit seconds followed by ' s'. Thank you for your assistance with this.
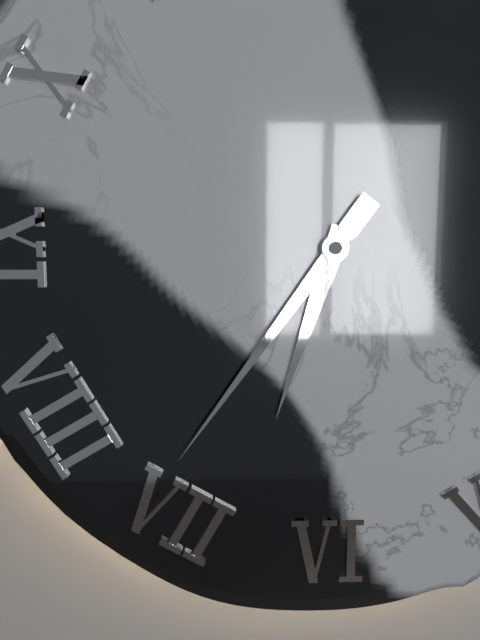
6 h 36 min
